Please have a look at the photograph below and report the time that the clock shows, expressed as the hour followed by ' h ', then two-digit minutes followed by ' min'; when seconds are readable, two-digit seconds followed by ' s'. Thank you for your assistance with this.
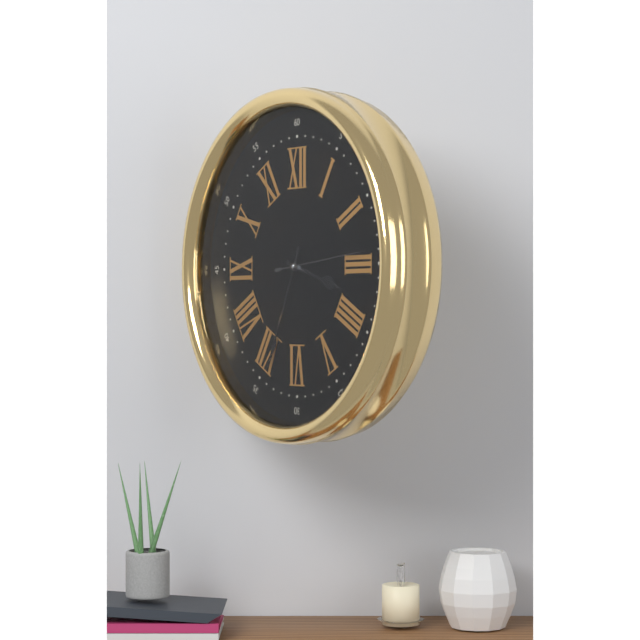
3 h 34 min 14 s
